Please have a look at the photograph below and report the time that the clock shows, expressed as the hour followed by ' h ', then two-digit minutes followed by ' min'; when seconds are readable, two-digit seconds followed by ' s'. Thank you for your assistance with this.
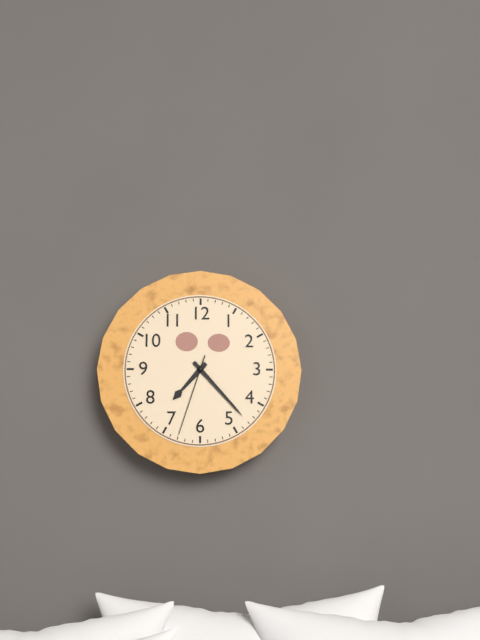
7 h 23 min 33 s
